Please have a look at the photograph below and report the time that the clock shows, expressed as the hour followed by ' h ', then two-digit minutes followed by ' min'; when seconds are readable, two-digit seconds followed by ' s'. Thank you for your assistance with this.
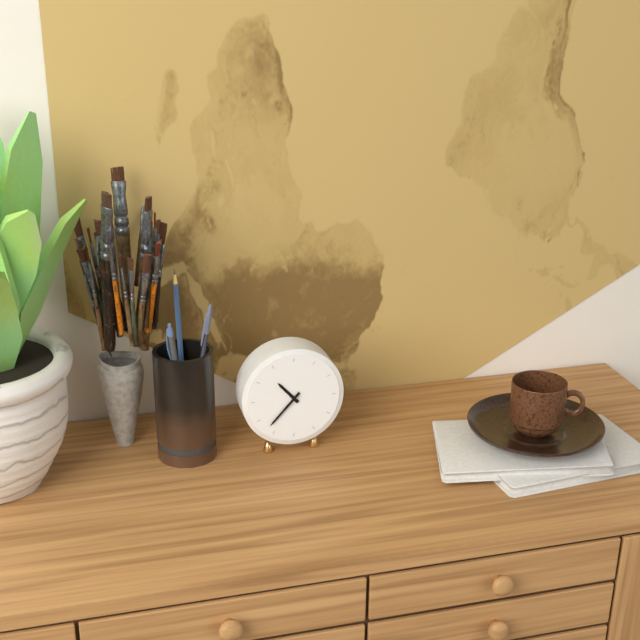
10 h 37 min
